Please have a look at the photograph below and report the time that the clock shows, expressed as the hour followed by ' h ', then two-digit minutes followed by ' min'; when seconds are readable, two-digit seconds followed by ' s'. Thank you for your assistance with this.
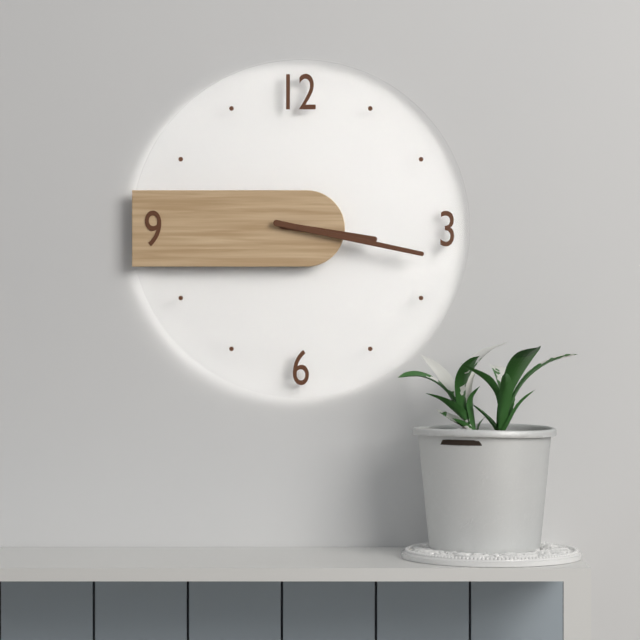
3 h 17 min
